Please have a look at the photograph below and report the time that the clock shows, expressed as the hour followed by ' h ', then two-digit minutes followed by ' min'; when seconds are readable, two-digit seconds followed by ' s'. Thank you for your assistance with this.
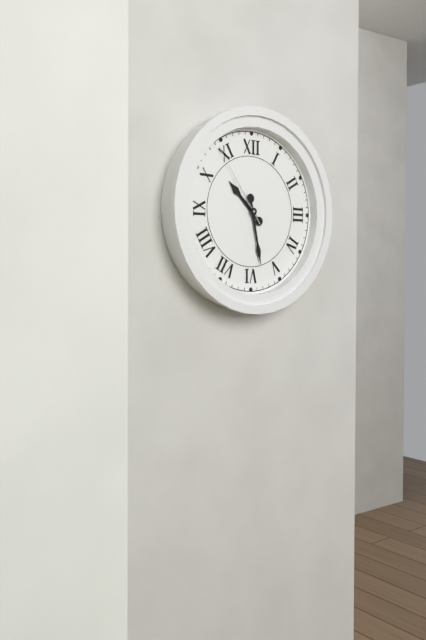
10 h 28 min 54 s
